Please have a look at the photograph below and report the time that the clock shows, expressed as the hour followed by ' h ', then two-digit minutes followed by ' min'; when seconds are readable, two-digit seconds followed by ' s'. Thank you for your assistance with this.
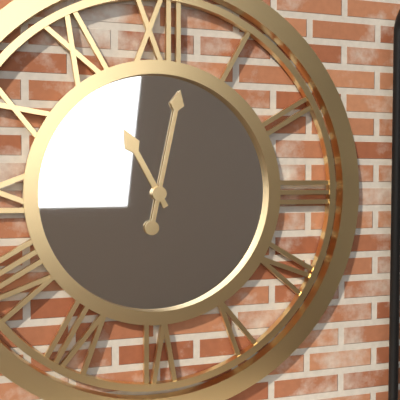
11 h 02 min
